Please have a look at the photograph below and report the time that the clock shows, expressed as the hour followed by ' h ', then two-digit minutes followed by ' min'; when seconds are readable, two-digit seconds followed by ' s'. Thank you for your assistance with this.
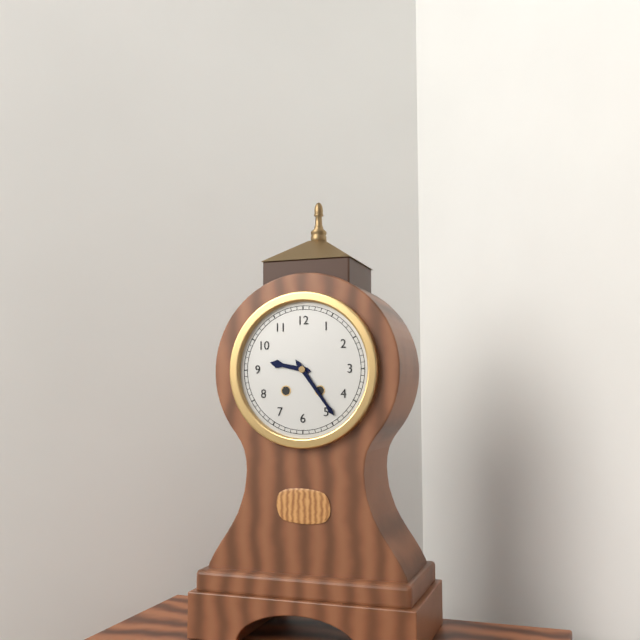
9 h 24 min
